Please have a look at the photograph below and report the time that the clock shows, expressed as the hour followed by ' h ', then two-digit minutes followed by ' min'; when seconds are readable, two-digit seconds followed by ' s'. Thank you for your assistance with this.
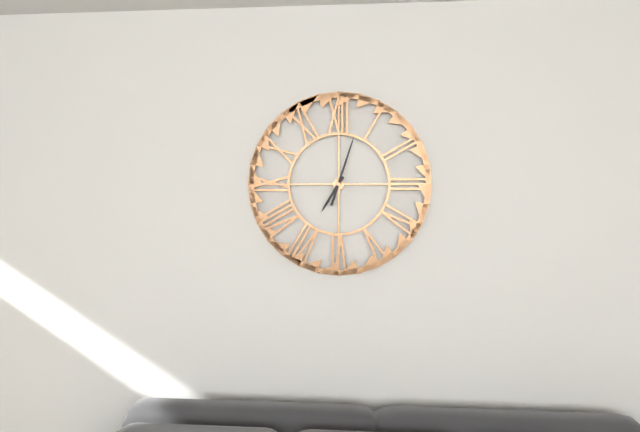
7 h 03 min
